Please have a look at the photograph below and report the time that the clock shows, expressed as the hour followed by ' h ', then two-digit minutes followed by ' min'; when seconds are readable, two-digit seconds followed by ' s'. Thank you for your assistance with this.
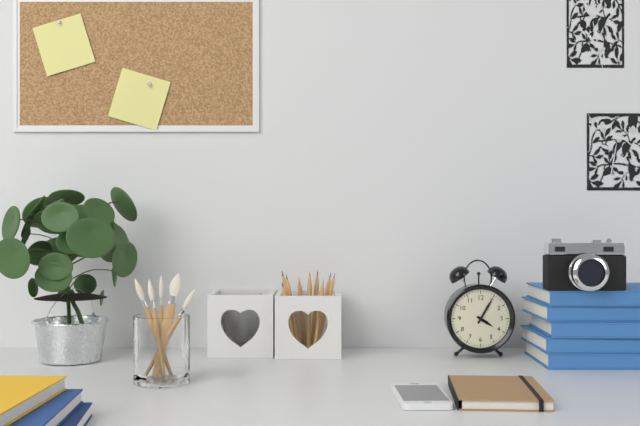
4 h 05 min
